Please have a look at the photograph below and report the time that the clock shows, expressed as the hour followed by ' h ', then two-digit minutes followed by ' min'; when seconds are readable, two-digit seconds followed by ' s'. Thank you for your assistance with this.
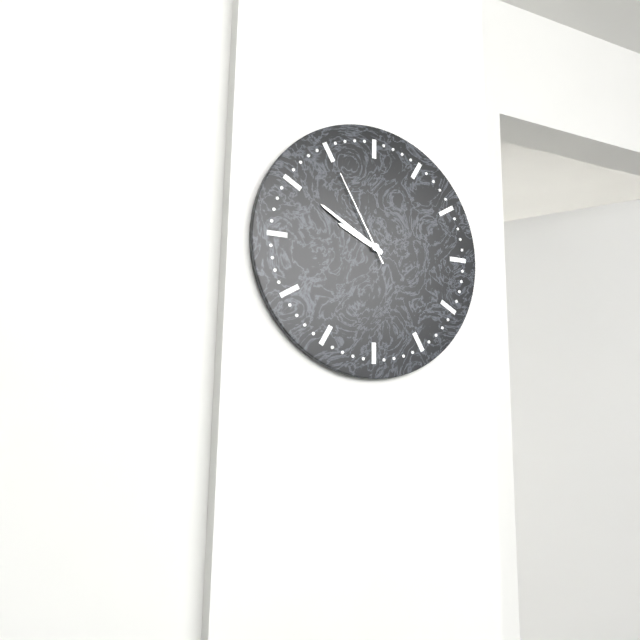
9 h 50 min 55 s
